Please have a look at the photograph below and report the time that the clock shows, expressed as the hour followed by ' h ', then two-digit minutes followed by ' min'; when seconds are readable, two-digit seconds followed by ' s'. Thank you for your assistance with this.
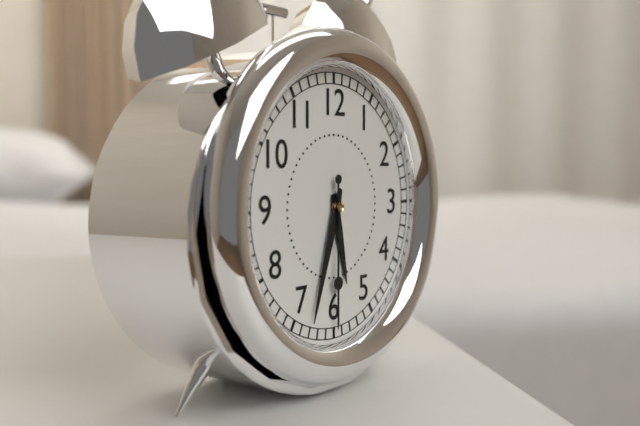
5 h 33 min 30 s
